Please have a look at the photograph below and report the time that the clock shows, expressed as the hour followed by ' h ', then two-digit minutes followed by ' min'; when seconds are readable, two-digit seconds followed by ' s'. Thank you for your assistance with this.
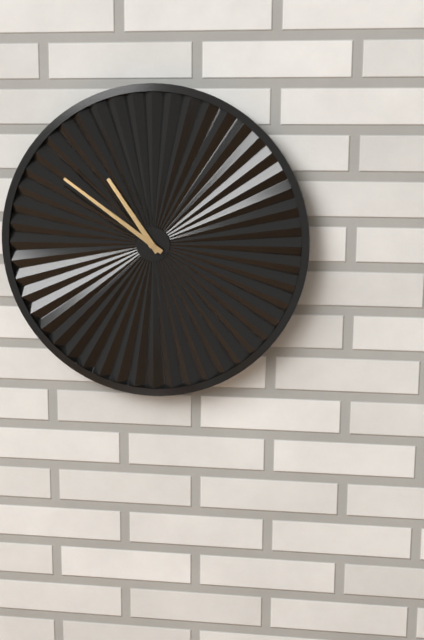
10 h 51 min
